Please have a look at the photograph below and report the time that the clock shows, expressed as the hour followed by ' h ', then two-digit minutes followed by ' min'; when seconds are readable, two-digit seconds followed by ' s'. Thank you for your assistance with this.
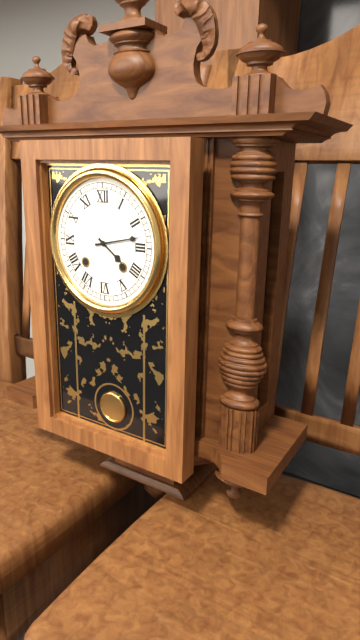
4 h 13 min
